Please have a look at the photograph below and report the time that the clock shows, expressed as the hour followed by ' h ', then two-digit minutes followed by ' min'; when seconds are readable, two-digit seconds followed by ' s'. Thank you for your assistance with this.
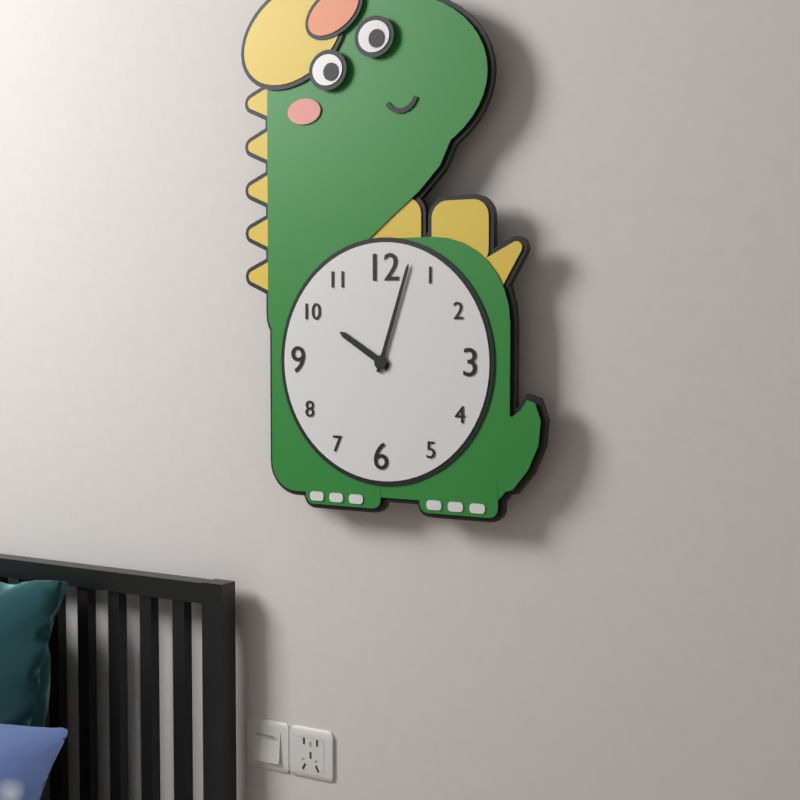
10 h 03 min
